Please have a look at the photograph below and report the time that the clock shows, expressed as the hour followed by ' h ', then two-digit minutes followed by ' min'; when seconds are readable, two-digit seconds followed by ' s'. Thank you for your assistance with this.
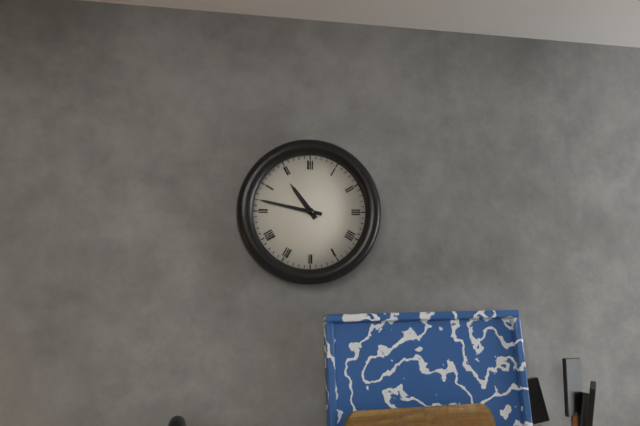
10 h 47 min
